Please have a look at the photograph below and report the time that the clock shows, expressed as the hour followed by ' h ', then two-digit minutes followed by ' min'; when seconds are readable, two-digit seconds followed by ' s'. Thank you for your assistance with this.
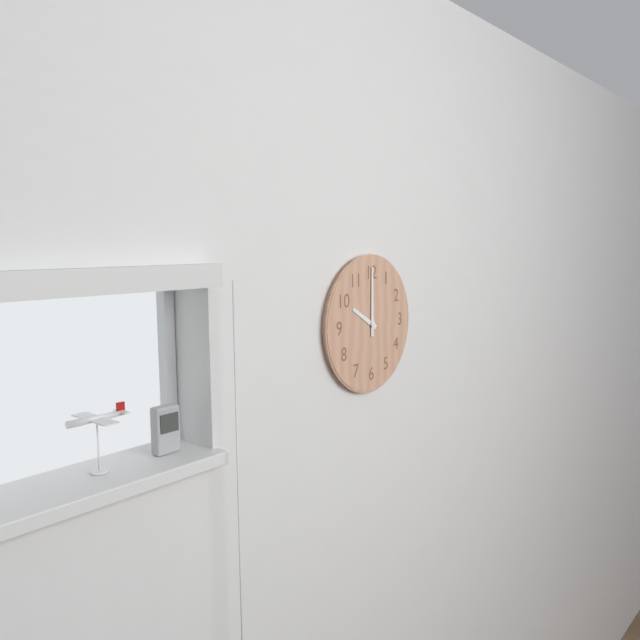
10 h 00 min
